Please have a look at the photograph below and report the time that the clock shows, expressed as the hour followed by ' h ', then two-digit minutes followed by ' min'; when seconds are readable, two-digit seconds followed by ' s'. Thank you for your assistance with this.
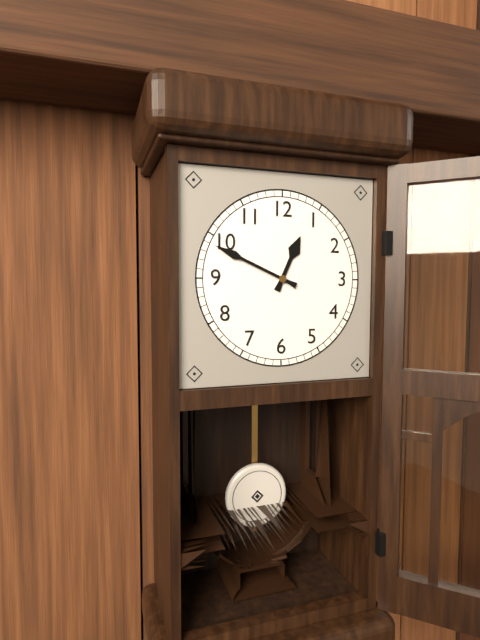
12 h 49 min
